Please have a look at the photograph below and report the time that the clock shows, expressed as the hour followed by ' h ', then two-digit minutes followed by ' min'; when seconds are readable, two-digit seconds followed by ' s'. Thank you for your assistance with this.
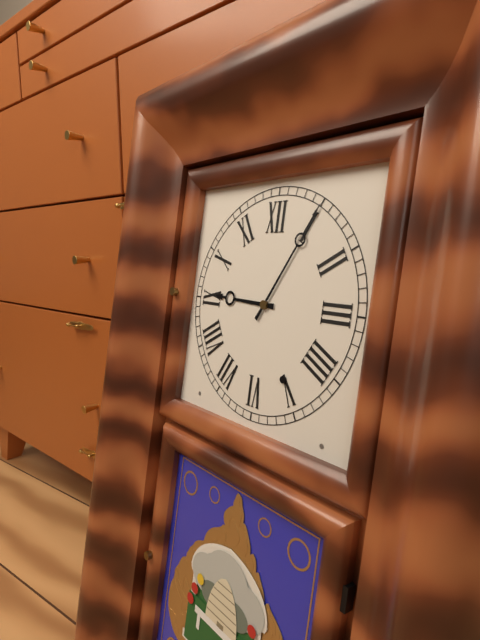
9 h 05 min
